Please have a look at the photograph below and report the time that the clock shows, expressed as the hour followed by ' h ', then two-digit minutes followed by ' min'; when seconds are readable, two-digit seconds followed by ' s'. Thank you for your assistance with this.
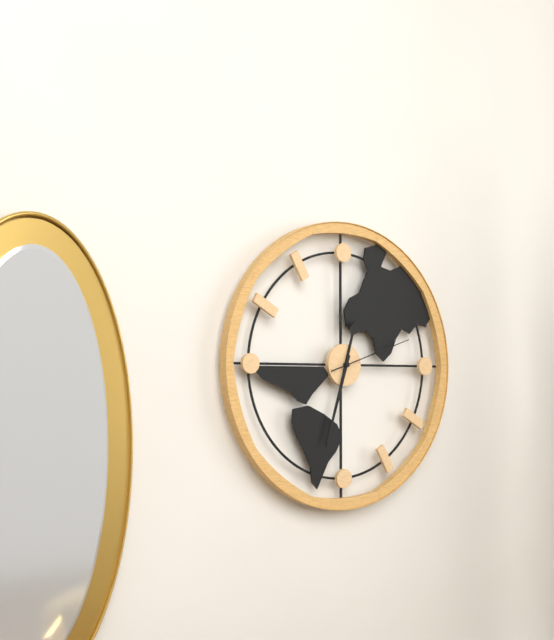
12 h 33 min 12 s
